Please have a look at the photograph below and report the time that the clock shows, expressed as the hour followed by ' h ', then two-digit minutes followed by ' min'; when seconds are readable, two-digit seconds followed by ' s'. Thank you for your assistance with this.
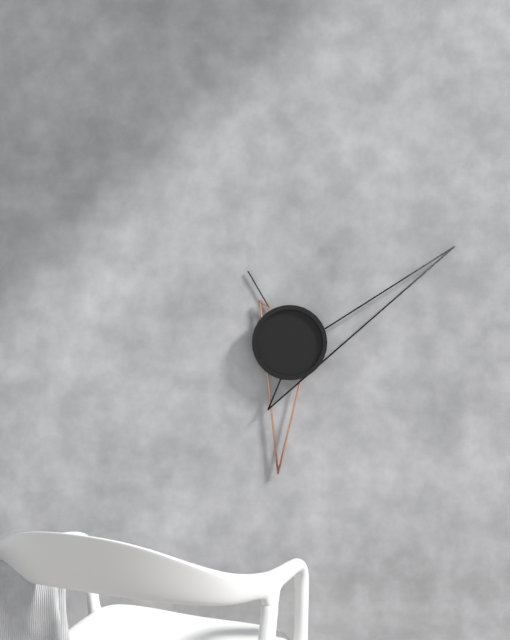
6 h 10 min 55 s
